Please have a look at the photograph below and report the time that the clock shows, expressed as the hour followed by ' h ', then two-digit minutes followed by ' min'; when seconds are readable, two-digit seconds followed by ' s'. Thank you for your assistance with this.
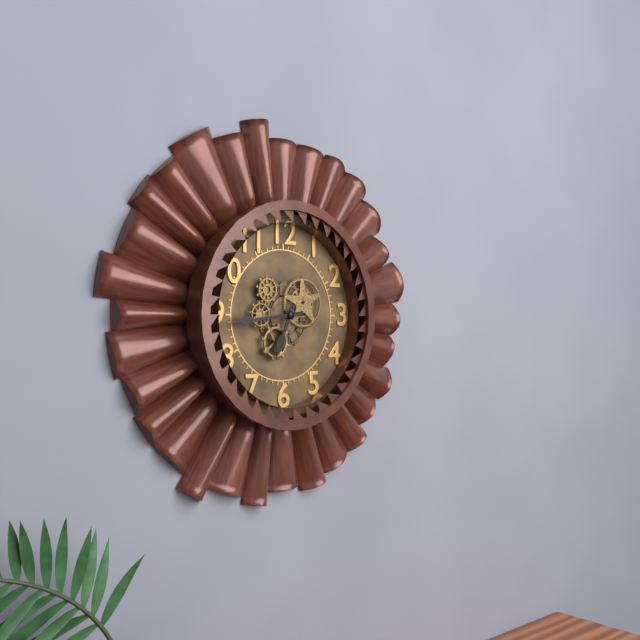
6 h 44 min
